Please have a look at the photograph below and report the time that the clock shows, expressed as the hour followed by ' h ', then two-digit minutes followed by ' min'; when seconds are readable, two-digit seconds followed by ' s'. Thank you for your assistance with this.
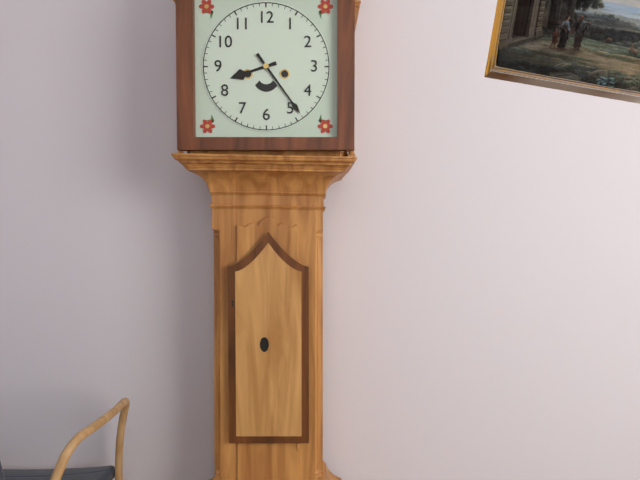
8 h 24 min
